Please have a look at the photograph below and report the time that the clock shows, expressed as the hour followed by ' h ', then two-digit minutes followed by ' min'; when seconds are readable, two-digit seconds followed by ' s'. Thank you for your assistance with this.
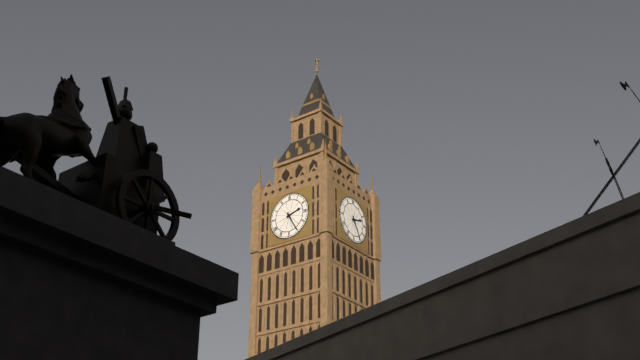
2 h 25 min
